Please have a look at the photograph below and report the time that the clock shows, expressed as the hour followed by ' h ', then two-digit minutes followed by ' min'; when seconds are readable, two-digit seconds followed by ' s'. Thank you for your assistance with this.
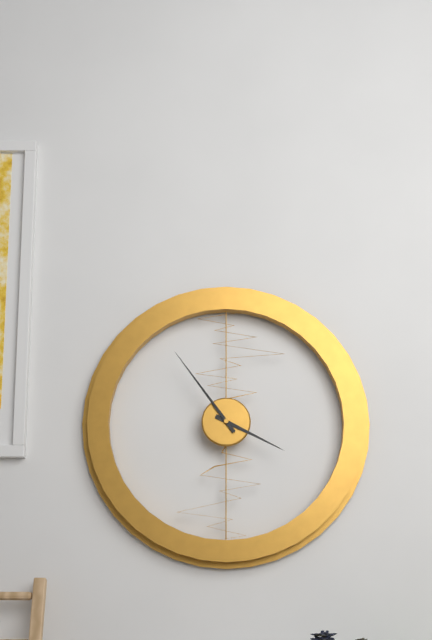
3 h 54 min
